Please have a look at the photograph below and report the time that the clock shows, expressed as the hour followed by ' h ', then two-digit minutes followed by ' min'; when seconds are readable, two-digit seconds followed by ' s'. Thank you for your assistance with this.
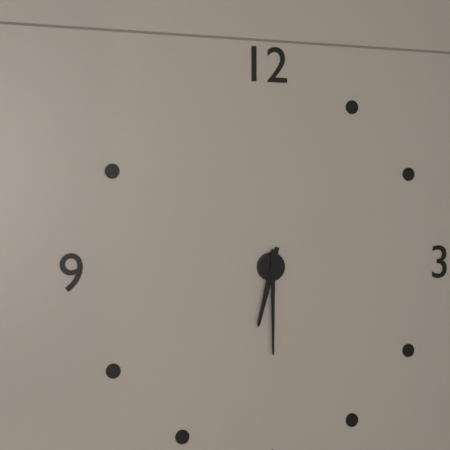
6 h 30 min
